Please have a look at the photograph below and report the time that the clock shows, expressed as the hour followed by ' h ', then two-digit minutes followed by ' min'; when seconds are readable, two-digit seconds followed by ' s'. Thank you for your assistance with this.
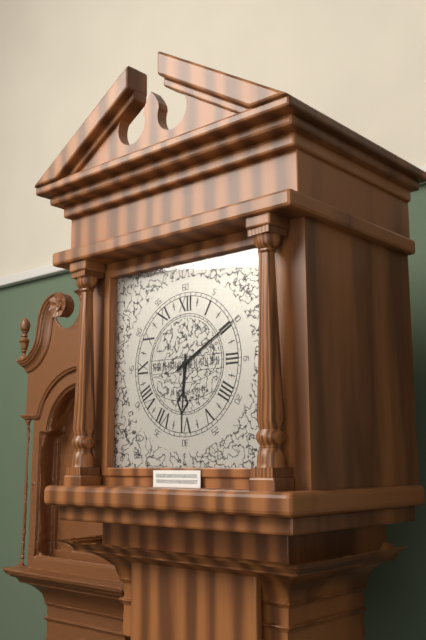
6 h 10 min
